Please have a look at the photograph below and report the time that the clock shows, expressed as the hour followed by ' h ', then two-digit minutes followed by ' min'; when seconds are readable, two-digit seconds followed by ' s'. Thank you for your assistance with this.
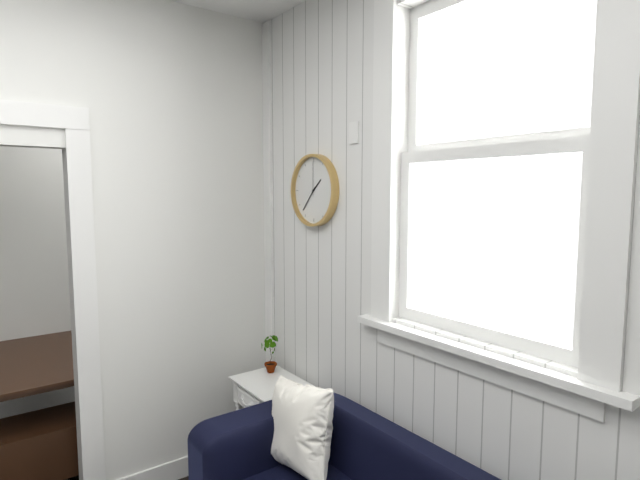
1 h 37 min
